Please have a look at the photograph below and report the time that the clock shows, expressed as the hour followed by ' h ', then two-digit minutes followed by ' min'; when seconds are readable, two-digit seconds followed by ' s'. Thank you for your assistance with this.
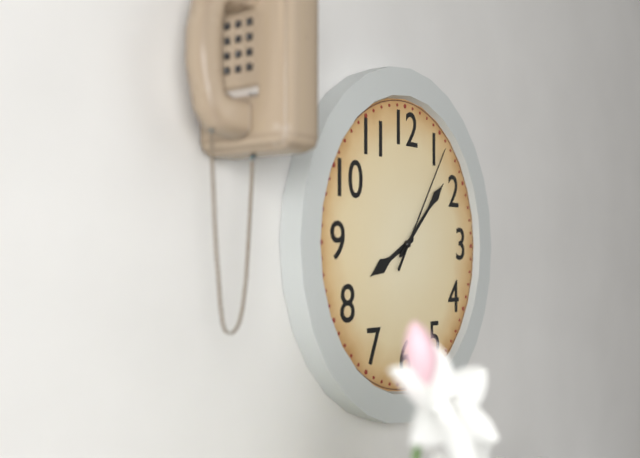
8 h 08 min 06 s
